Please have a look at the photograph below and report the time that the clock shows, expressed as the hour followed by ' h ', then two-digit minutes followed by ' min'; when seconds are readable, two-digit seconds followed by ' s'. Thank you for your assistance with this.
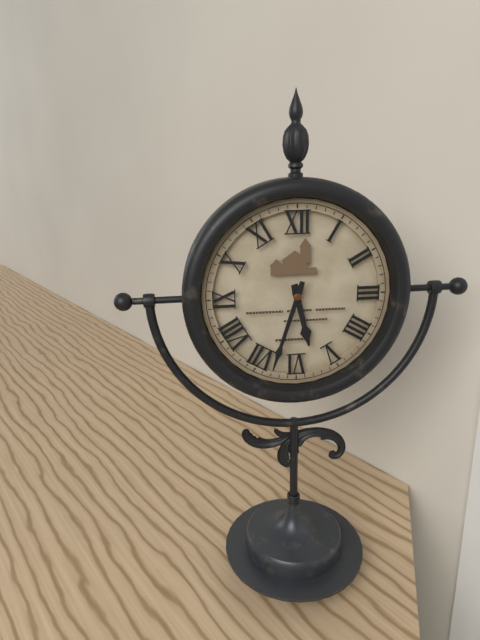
5 h 33 min
